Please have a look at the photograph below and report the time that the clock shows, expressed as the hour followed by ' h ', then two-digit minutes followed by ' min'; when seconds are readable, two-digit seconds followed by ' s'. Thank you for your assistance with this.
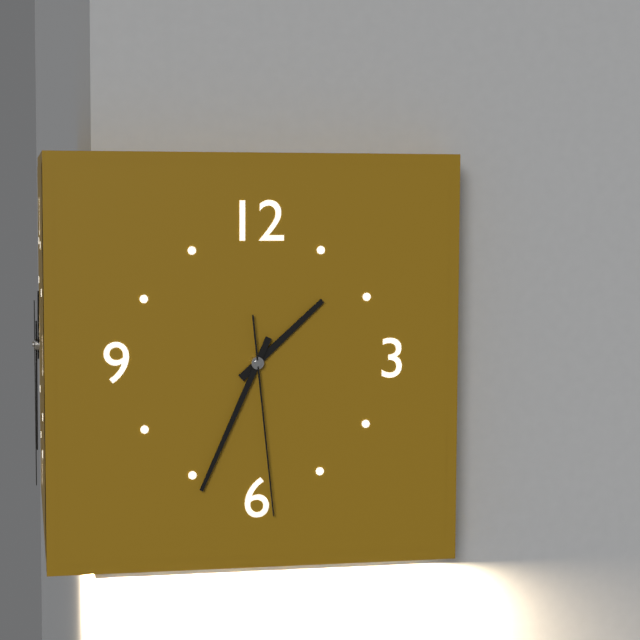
1 h 34 min 29 s
